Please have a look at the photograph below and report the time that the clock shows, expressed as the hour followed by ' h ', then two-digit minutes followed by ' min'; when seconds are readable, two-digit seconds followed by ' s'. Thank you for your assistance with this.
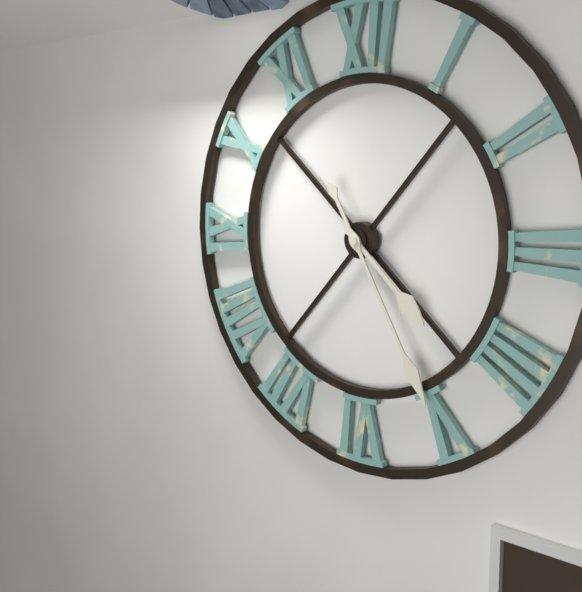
4 h 25 min
